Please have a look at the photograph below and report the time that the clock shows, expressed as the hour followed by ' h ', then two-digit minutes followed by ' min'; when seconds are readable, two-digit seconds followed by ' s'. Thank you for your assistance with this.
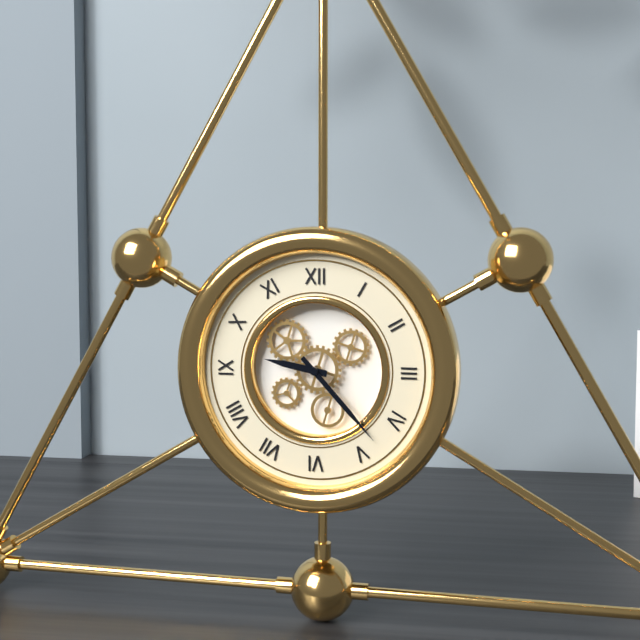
9 h 23 min
